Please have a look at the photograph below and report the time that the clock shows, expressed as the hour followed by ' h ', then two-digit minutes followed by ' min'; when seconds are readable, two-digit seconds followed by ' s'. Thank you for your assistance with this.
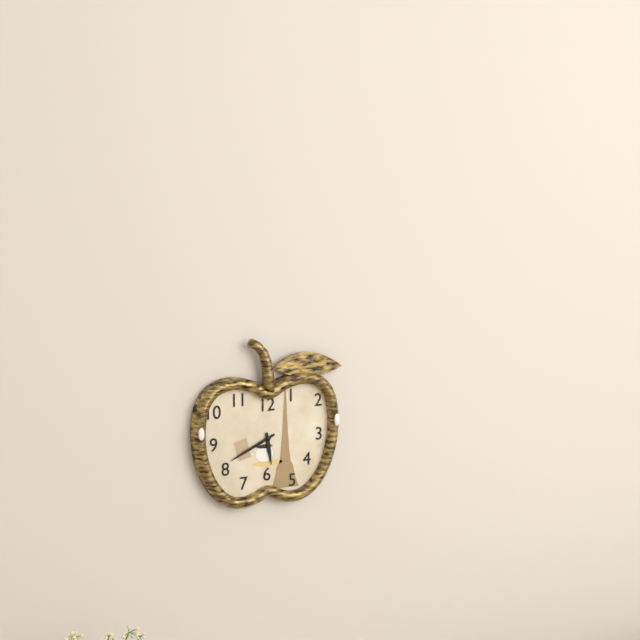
5 h 41 min
